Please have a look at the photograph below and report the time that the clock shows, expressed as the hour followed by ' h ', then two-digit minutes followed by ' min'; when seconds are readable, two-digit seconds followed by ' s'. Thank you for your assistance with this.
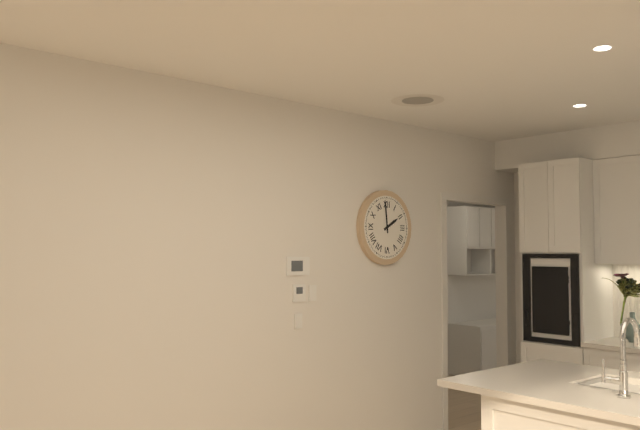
1 h 59 min
